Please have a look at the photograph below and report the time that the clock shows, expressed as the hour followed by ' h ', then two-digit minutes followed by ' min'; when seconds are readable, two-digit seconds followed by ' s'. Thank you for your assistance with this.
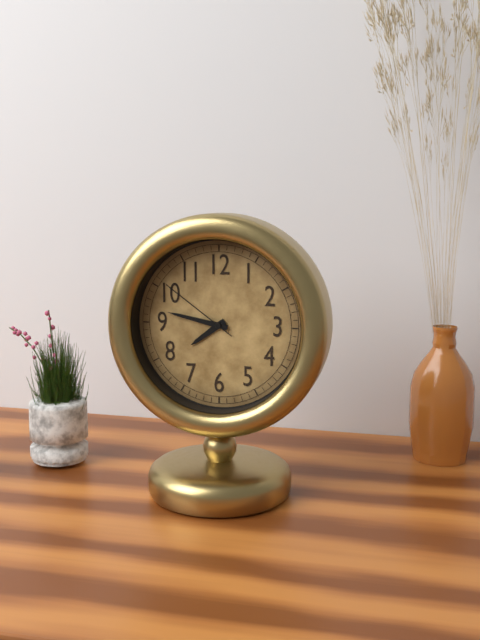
7 h 47 min 51 s
